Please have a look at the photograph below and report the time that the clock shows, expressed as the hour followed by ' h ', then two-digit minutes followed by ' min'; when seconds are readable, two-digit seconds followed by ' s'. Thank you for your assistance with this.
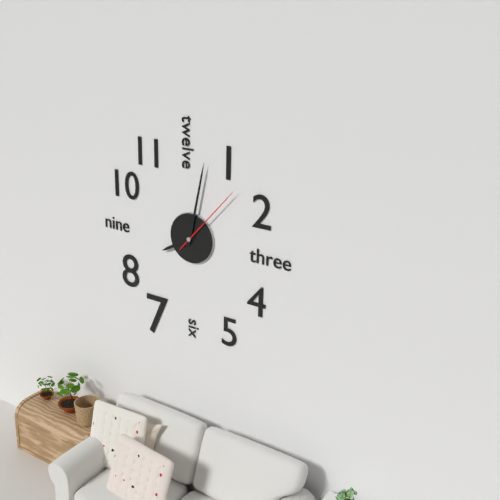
8 h 02 min 07 s
